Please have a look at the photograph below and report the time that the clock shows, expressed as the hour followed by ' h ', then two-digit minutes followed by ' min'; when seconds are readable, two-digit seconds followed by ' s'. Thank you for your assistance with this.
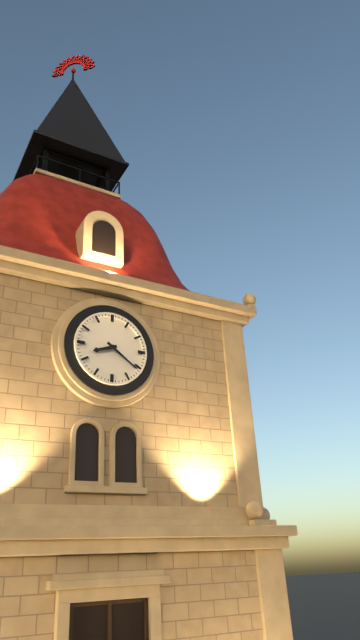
8 h 21 min
